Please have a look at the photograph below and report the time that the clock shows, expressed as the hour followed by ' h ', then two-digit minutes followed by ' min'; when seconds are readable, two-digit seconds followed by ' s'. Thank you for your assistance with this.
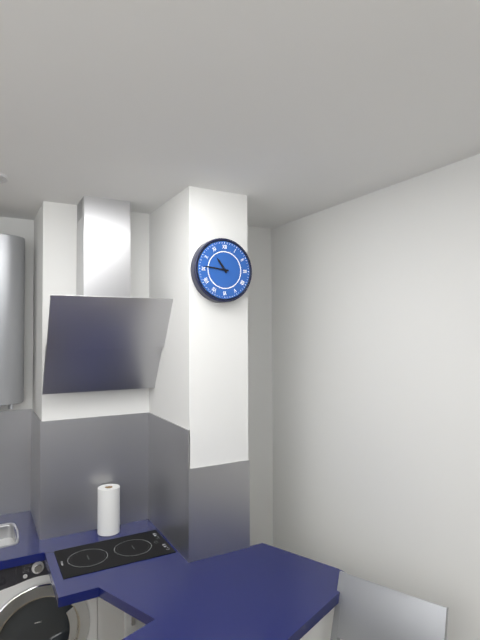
10 h 46 min
